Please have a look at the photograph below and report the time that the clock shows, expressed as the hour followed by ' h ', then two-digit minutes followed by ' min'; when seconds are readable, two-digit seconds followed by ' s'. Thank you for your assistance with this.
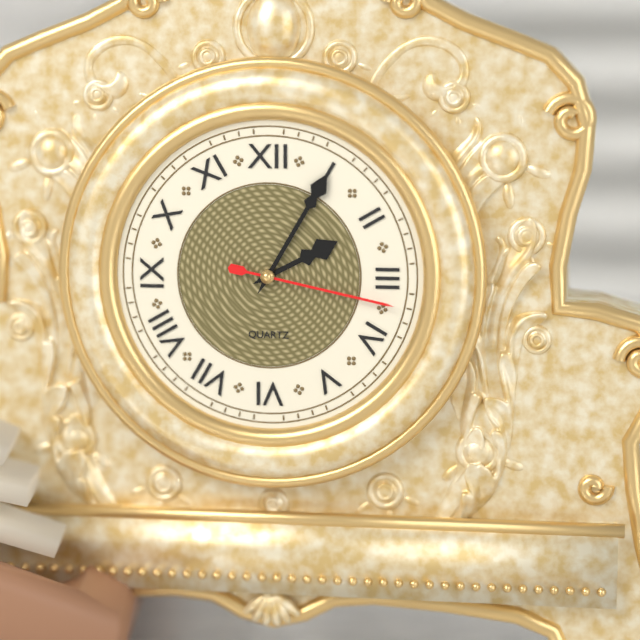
2 h 05 min 17 s
